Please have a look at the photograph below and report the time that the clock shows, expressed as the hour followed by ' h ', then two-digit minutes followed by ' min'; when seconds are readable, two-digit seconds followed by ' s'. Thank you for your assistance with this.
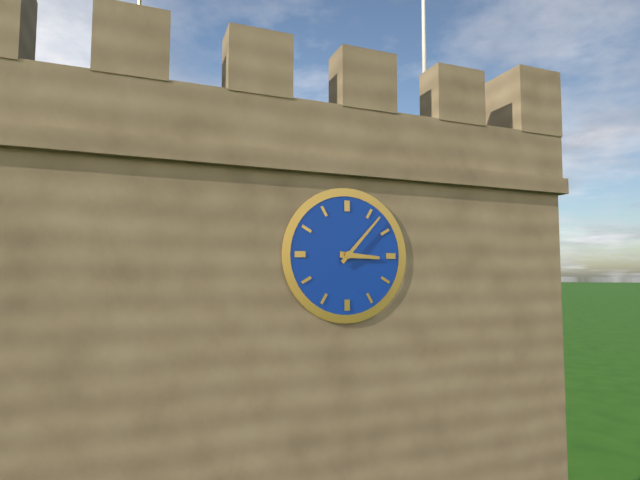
3 h 07 min
